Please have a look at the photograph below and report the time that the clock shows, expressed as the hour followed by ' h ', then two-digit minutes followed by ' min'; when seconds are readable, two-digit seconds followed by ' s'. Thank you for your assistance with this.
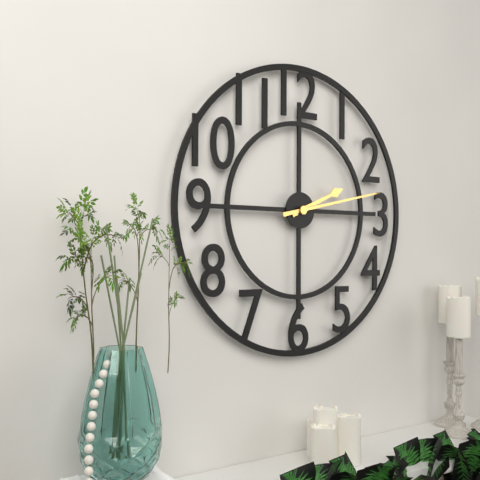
2 h 13 min
